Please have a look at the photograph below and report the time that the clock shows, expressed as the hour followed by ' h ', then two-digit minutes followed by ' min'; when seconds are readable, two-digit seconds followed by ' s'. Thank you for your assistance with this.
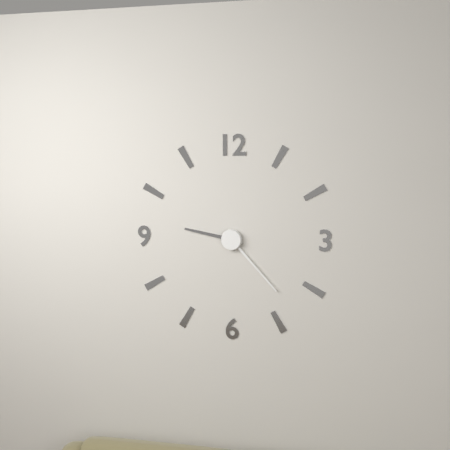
9 h 23 min
